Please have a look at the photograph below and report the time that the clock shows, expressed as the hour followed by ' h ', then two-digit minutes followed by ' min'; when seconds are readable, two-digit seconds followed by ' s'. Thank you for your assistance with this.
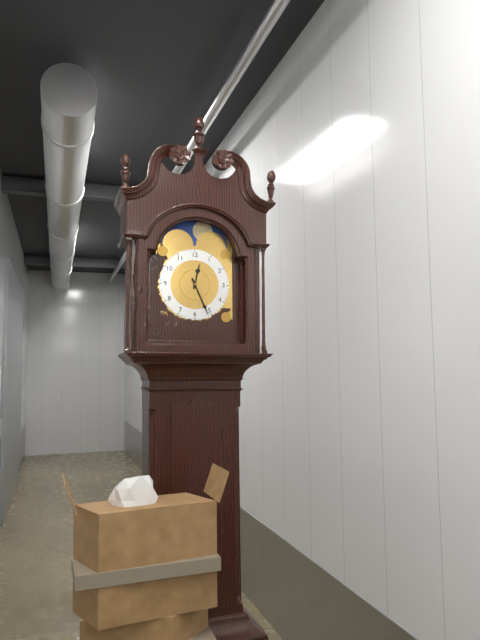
12 h 26 min
